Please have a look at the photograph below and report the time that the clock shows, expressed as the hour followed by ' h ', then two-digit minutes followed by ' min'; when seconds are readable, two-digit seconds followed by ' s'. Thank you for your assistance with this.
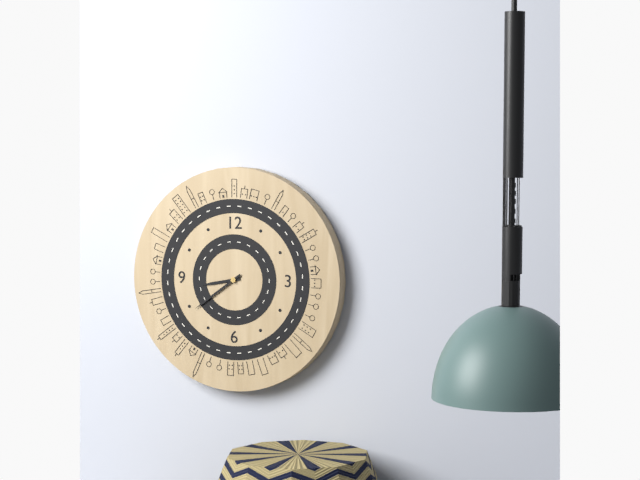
8 h 39 min
